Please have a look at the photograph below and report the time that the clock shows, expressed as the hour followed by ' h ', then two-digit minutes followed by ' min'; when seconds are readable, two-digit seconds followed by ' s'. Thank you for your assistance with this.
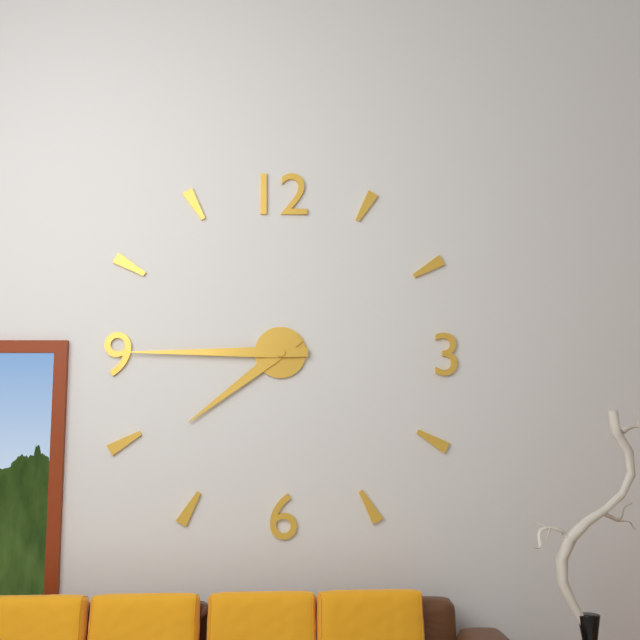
7 h 45 min
